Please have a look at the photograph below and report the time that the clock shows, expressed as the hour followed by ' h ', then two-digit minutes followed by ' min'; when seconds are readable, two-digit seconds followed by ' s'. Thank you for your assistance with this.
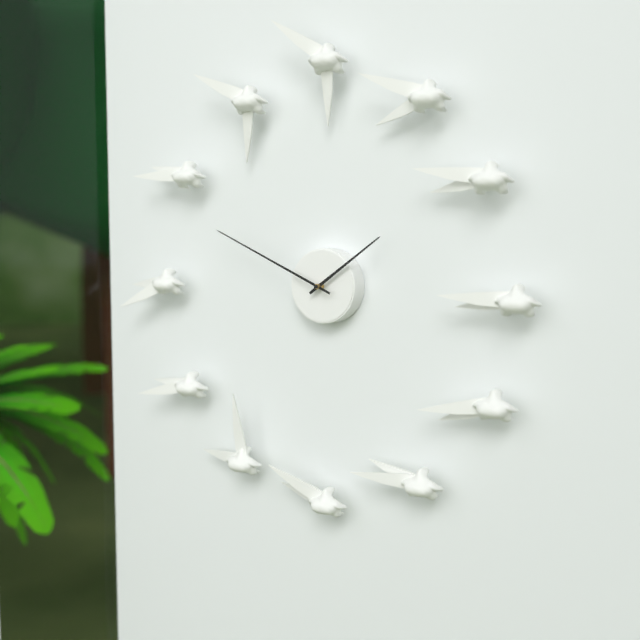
1 h 49 min
